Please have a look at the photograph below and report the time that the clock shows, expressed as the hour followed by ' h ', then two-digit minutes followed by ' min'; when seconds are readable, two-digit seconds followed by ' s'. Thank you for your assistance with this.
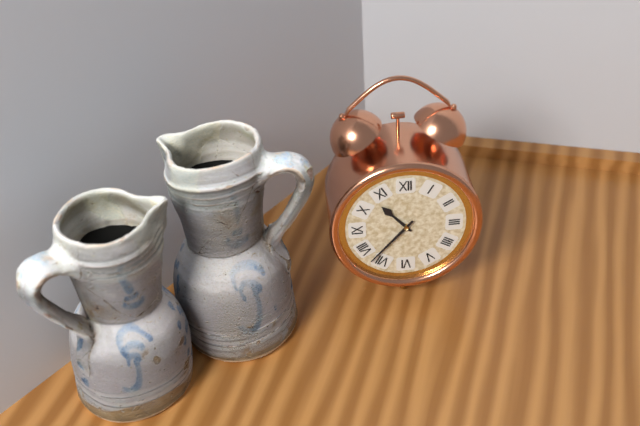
10 h 37 min
